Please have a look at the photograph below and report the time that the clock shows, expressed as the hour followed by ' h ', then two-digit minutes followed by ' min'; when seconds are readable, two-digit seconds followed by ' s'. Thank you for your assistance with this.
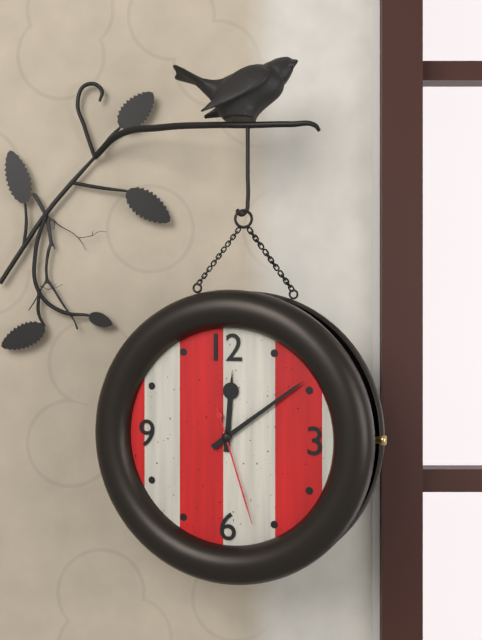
12 h 09 min 27 s
